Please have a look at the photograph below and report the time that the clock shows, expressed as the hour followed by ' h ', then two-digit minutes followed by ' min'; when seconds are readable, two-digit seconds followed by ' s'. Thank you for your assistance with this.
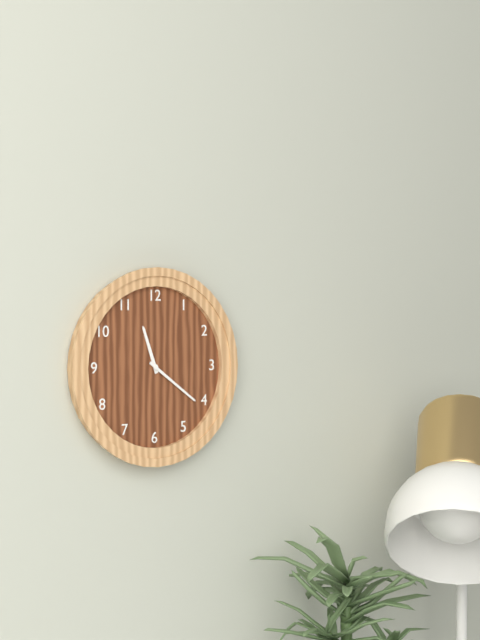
11 h 21 min
